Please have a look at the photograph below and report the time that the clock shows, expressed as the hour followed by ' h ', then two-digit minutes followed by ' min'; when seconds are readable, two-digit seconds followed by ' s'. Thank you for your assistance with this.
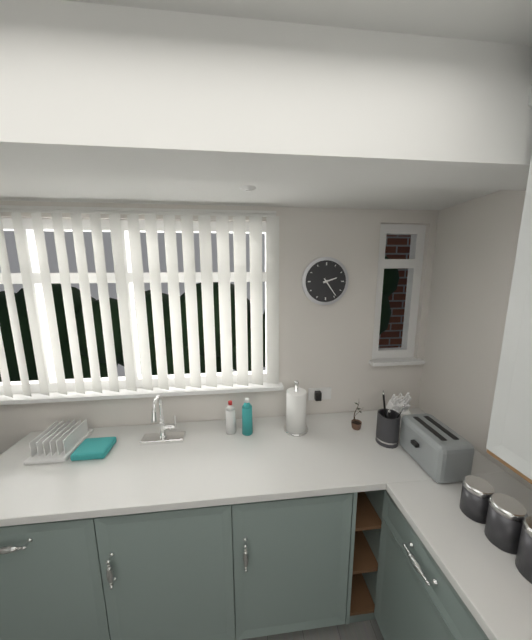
2 h 24 min
